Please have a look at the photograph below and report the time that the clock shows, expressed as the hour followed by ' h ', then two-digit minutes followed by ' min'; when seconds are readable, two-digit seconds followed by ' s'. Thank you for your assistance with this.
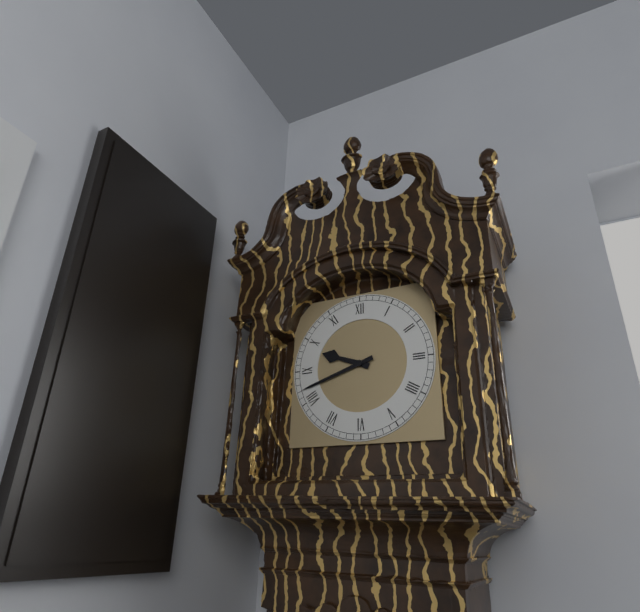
9 h 42 min
